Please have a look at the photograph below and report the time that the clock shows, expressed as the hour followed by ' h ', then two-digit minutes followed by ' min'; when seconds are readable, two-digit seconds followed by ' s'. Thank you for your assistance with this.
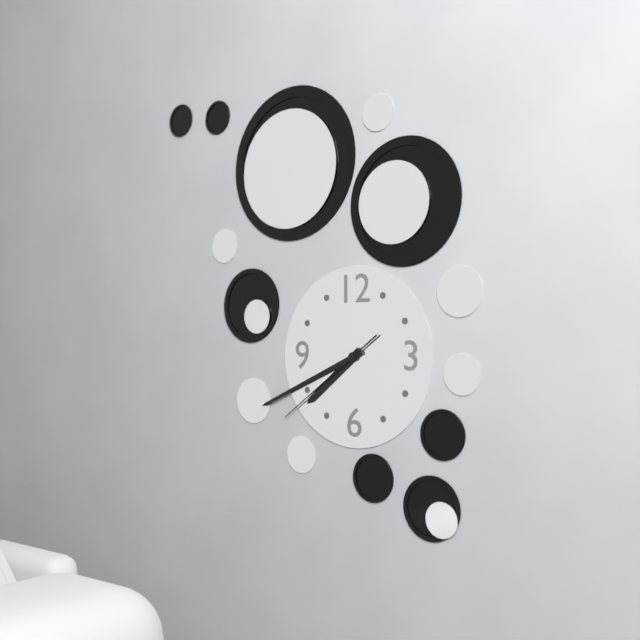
7 h 41 min 39 s
